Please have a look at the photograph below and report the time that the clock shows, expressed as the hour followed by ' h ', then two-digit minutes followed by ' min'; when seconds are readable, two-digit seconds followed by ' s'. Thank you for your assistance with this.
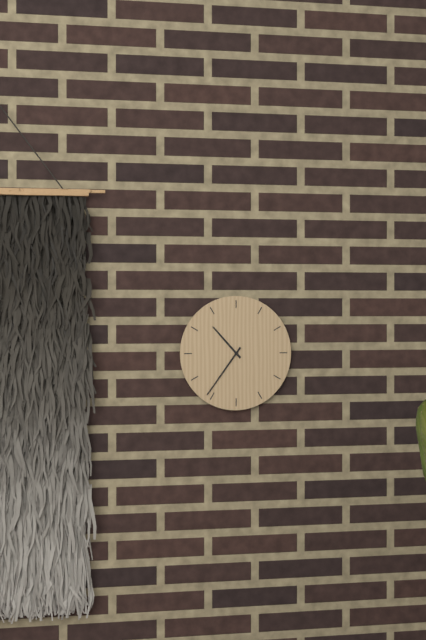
10 h 36 min
